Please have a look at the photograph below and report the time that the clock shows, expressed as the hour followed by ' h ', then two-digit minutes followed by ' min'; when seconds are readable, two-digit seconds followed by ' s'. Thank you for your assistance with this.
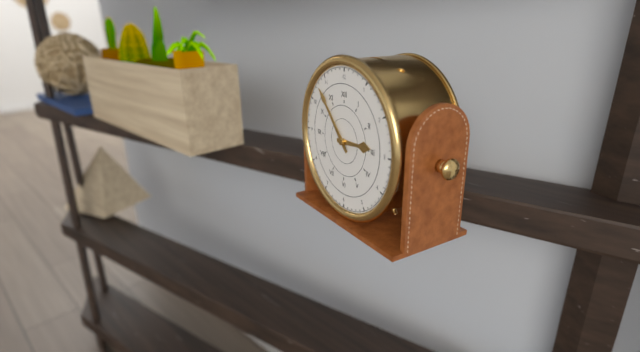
2 h 53 min
